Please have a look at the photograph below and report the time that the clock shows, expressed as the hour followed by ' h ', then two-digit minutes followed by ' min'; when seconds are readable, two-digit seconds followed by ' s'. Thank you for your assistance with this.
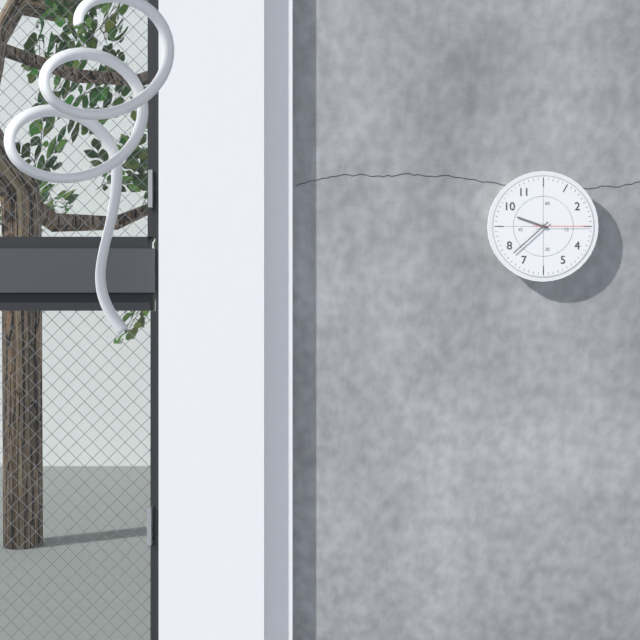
9 h 38 min 15 s
